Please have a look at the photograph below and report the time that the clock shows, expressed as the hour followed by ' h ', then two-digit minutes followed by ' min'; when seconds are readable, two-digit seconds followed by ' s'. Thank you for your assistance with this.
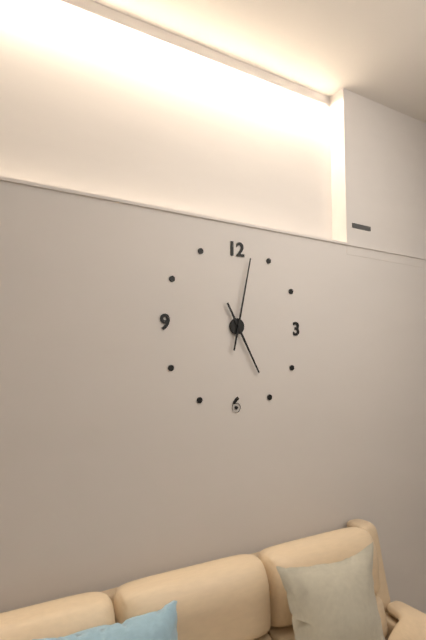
5 h 02 min
